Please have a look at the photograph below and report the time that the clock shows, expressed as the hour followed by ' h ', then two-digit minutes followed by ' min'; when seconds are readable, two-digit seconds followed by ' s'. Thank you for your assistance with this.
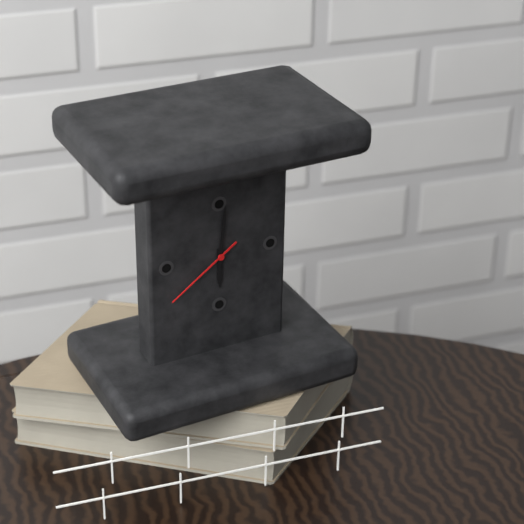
6 h 01 min 39 s
